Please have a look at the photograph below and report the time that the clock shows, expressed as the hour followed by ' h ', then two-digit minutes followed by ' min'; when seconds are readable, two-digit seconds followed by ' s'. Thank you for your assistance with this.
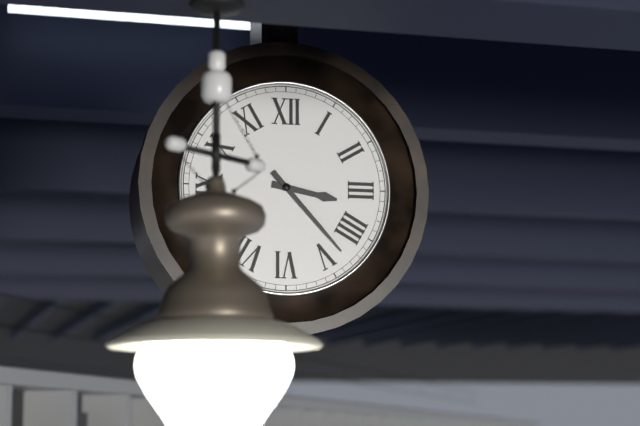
3 h 23 min
